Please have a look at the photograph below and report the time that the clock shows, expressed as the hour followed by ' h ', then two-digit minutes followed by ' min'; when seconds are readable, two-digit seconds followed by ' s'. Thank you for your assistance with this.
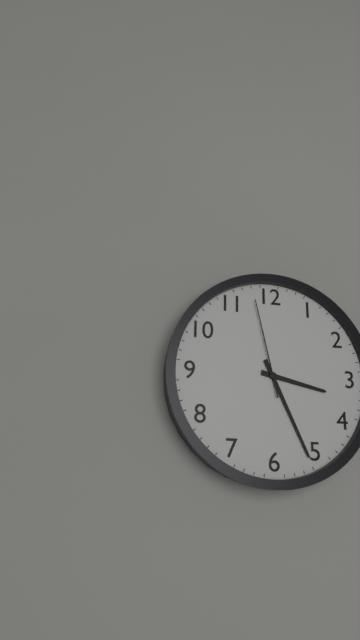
3 h 26 min 58 s
